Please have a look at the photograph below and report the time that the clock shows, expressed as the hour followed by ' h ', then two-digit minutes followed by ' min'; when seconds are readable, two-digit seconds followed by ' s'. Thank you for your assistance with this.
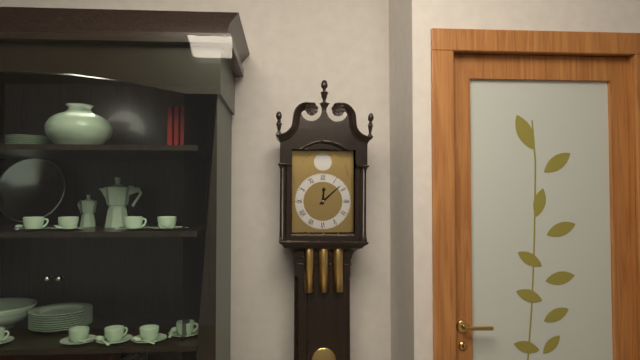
12 h 08 min
